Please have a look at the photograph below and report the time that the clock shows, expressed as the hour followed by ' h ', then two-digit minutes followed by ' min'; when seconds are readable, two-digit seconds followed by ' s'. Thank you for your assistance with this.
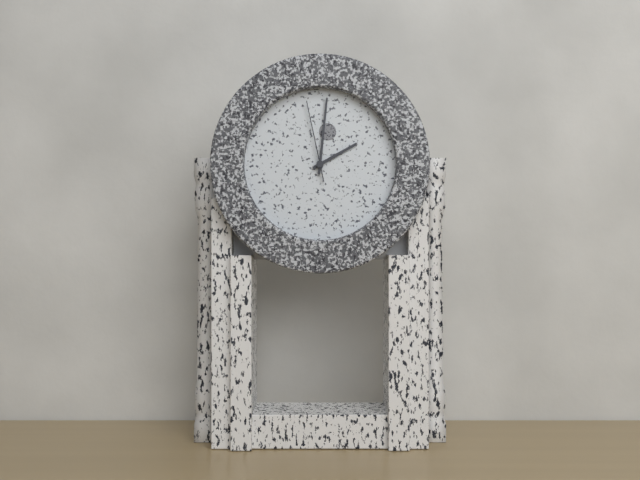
2 h 01 min 58 s
